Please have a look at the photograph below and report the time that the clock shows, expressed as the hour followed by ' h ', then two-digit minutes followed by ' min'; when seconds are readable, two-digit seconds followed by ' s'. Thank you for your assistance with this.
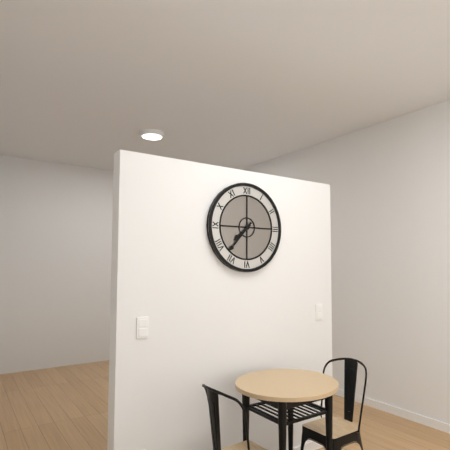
7 h 37 min
